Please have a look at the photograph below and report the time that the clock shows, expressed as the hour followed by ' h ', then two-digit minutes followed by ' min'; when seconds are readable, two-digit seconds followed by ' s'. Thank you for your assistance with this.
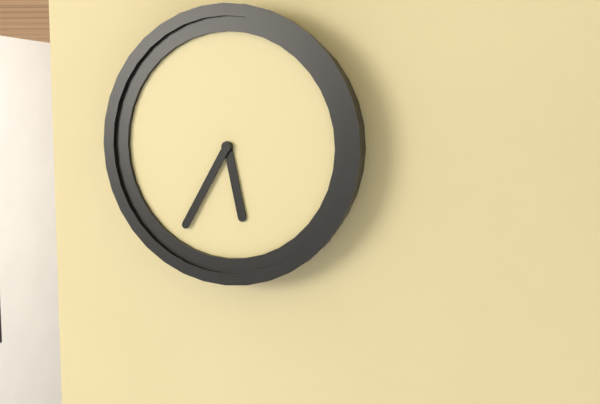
5 h 35 min
